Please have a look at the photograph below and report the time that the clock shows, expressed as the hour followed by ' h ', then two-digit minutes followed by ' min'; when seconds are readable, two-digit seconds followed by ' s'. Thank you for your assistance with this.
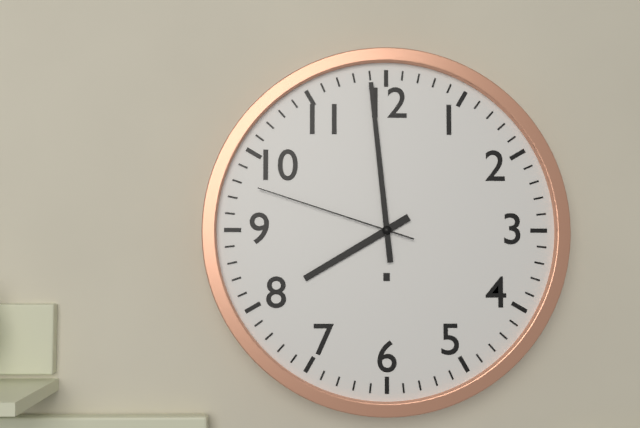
7 h 59 min 48 s
